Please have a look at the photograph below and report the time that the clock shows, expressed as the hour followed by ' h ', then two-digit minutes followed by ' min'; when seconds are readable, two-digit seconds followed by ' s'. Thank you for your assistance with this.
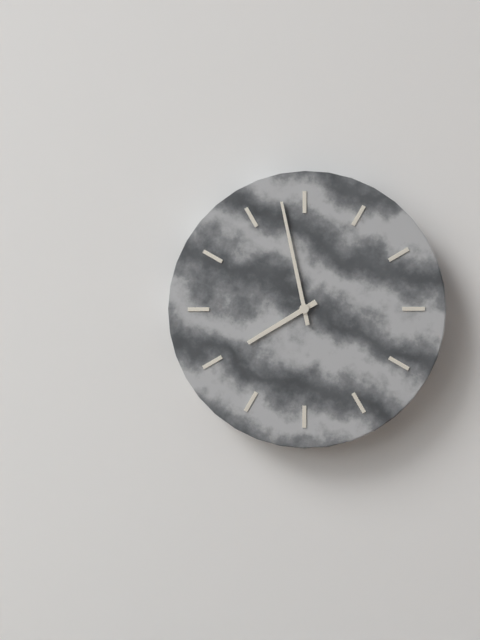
7 h 58 min
